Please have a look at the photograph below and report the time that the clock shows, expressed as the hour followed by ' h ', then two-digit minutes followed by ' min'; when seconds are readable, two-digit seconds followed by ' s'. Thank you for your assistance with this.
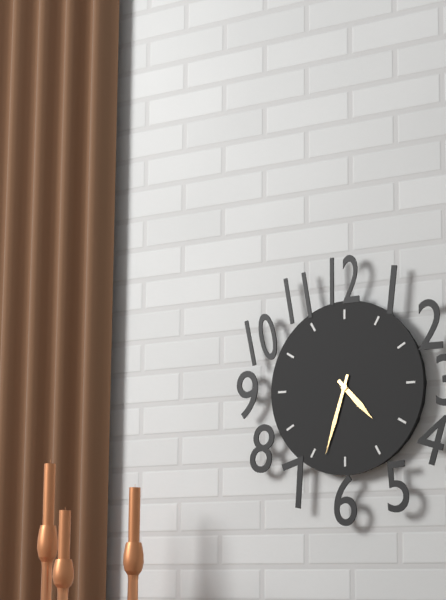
4 h 33 min
